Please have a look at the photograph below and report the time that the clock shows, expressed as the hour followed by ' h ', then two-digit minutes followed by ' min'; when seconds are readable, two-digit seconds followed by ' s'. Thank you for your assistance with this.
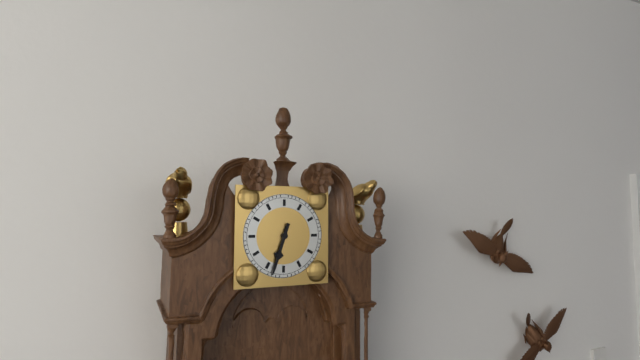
6 h 33 min
